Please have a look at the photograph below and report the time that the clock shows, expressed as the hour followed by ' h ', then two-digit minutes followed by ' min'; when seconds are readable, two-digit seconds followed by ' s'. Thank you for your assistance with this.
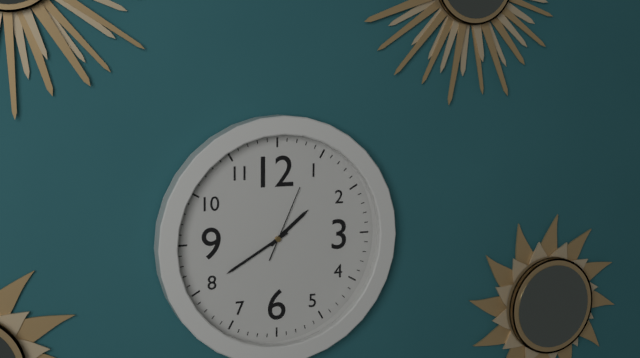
1 h 40 min 04 s
